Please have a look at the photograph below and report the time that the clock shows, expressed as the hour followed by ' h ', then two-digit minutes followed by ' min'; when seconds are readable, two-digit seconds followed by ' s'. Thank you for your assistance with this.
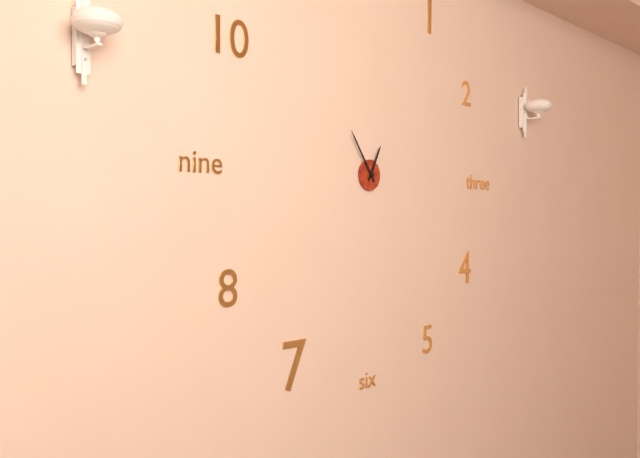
12 h 54 min
